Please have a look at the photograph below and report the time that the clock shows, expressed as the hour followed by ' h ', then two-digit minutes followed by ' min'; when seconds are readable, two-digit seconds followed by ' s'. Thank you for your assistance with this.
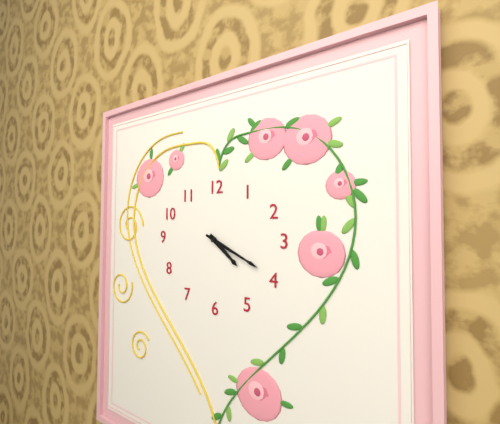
4 h 19 min
